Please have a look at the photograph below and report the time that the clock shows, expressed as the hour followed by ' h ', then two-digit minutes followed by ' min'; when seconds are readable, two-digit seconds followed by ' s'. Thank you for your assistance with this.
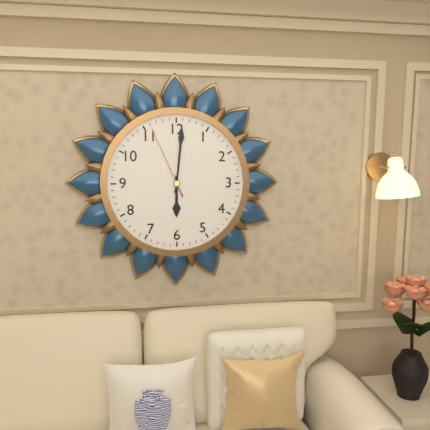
6 h 01 min 56 s
